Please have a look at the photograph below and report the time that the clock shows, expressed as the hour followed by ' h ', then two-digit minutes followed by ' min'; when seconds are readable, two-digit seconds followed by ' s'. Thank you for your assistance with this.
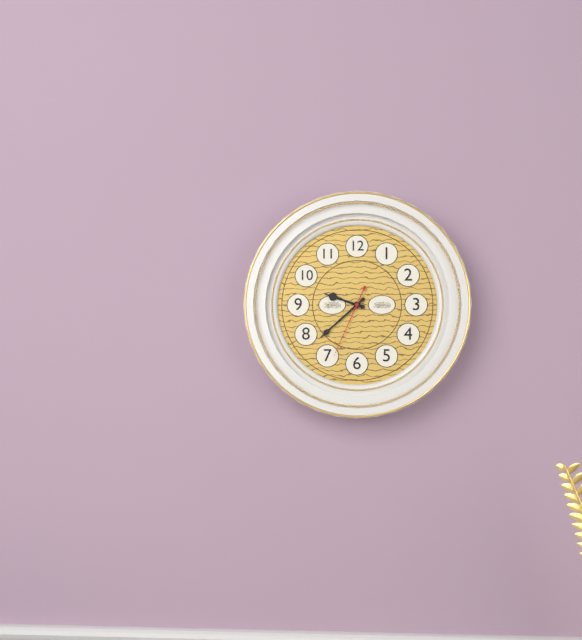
9 h 38 min 34 s
